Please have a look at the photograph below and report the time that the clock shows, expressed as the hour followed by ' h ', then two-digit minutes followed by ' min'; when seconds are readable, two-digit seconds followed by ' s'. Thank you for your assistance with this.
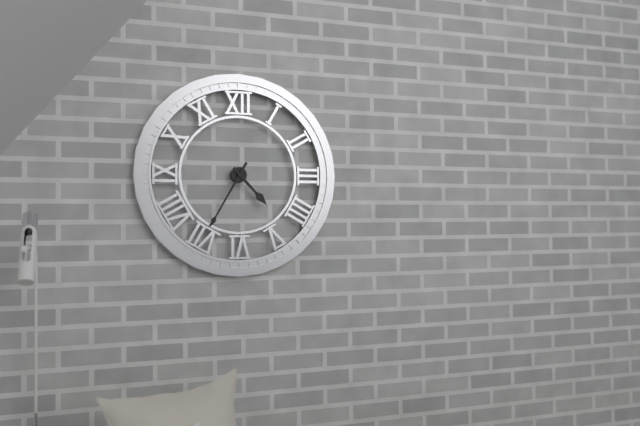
4 h 35 min
